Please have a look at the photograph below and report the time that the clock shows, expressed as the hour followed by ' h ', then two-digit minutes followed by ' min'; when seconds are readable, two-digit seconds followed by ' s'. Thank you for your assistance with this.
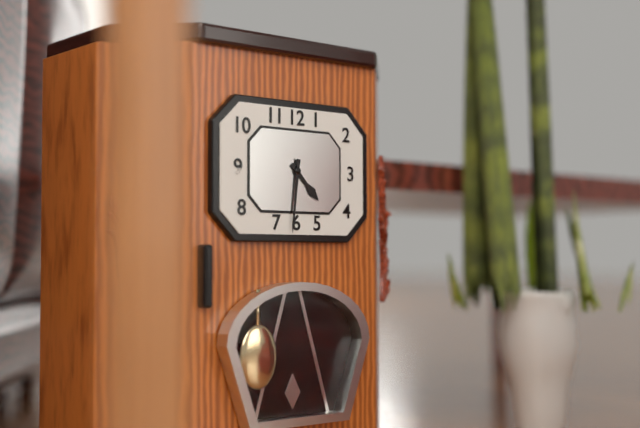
4 h 31 min
